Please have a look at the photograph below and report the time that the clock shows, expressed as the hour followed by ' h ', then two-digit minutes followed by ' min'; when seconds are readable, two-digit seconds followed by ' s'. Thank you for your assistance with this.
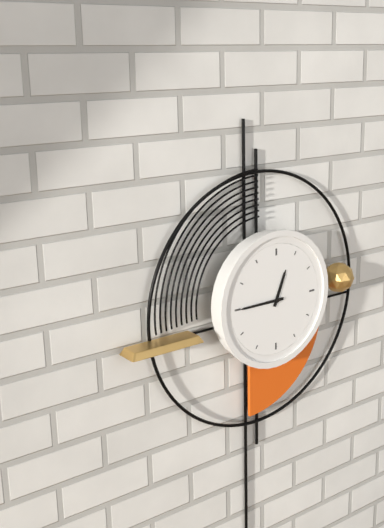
12 h 45 min
